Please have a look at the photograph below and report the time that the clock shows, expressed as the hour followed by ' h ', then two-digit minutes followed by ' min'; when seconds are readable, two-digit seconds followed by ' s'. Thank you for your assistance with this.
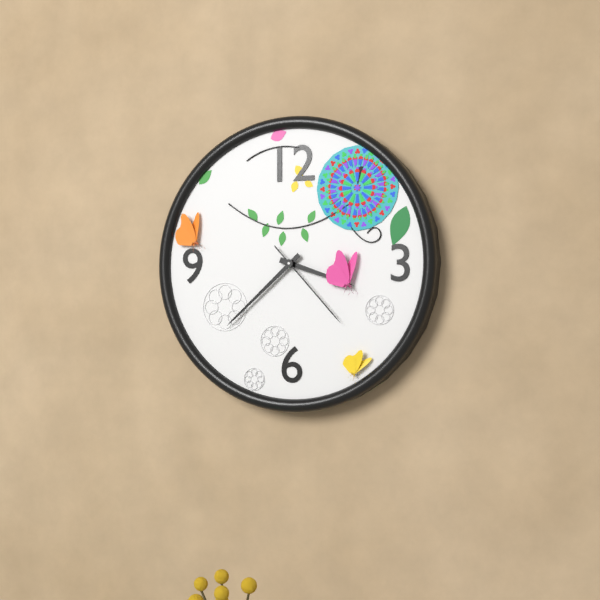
3 h 38 min 23 s
